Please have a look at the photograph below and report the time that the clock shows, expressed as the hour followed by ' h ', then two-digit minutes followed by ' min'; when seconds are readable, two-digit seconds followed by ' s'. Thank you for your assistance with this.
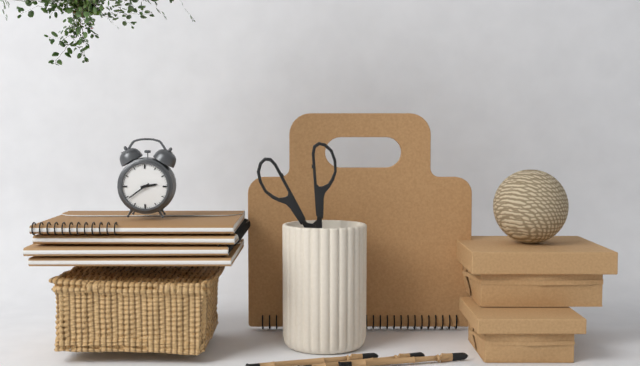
2 h 39 min
